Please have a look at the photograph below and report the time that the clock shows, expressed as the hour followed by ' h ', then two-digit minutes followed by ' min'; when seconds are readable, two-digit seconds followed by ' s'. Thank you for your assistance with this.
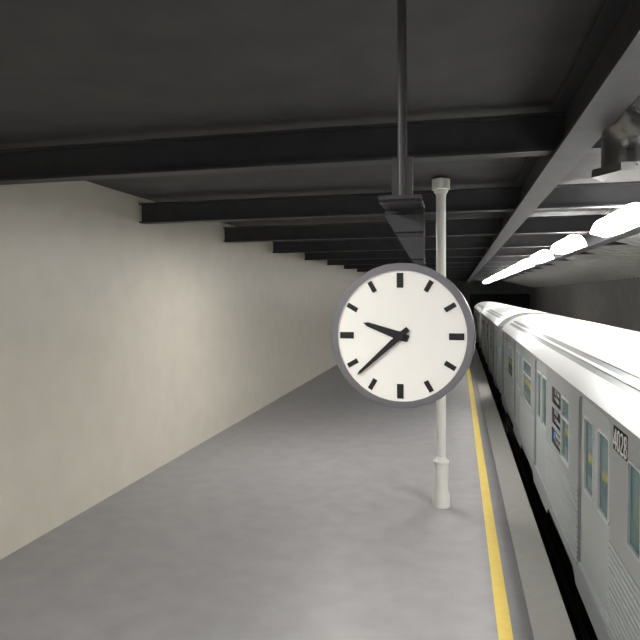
9 h 38 min
